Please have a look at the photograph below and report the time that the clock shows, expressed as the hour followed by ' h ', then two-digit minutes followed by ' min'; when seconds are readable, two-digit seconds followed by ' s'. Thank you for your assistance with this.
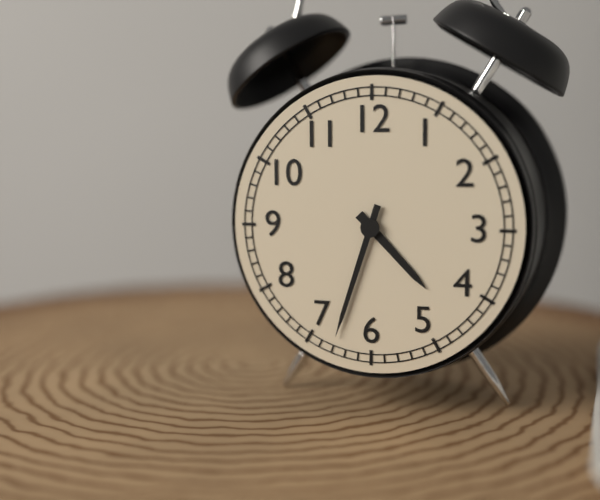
4 h 33 min
